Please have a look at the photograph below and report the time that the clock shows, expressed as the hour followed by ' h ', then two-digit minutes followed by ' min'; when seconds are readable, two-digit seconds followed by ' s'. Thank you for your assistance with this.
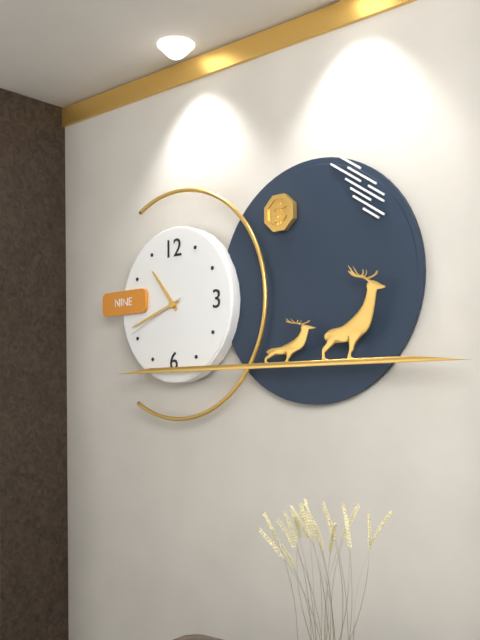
10 h 42 min 41 s
